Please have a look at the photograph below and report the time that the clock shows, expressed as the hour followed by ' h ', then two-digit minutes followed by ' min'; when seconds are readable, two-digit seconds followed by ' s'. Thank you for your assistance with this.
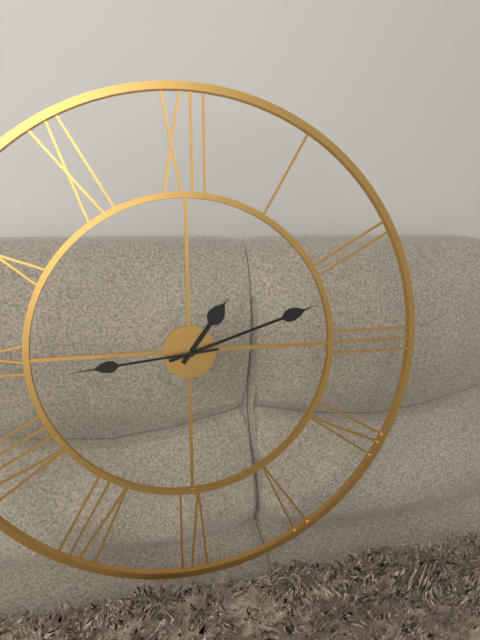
1 h 12 min 44 s
